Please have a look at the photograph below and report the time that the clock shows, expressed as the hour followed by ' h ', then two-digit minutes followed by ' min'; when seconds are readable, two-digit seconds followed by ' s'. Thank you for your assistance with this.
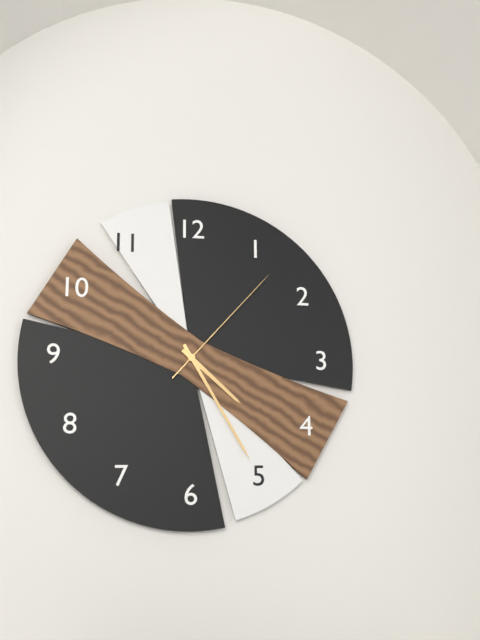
4 h 25 min 07 s
